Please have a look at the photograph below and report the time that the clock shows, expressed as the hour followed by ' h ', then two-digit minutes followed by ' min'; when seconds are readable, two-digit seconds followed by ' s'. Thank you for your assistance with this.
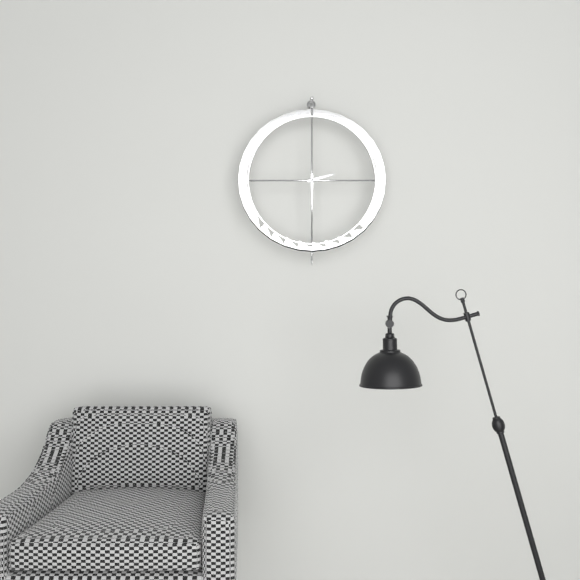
2 h 30 min
